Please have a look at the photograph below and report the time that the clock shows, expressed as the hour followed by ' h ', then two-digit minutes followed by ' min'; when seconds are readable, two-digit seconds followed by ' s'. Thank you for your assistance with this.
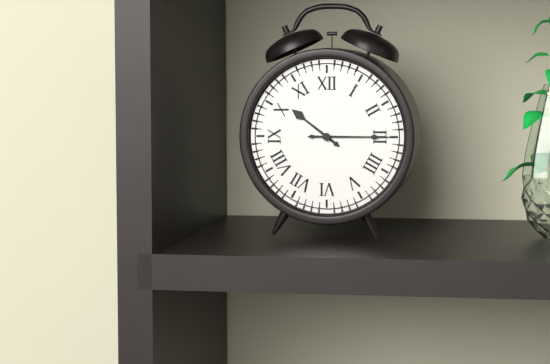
10 h 15 min
